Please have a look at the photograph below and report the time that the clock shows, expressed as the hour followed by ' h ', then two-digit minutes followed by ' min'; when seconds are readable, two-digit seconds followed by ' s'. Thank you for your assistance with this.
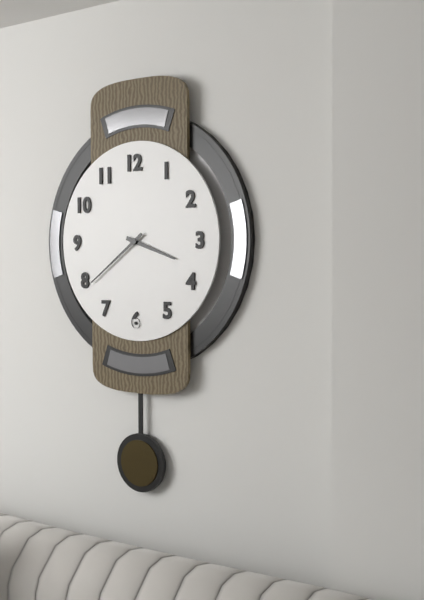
3 h 39 min
